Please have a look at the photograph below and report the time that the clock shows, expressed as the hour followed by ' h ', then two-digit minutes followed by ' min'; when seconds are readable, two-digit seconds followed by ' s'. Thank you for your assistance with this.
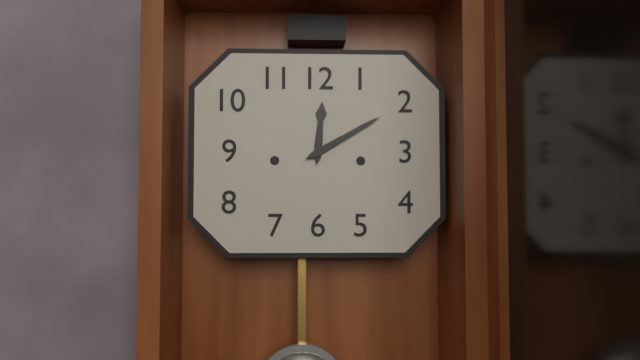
12 h 10 min
